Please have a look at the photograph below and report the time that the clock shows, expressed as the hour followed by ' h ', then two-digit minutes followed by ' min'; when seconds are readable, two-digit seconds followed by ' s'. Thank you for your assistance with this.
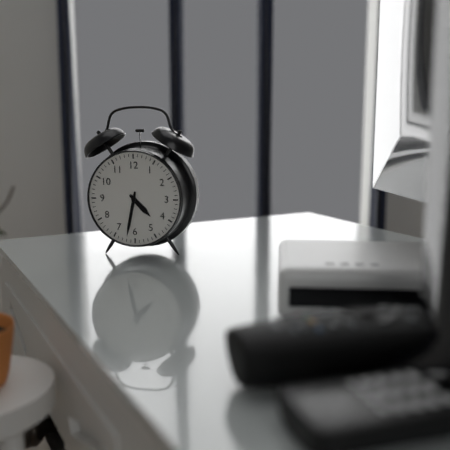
4 h 32 min
